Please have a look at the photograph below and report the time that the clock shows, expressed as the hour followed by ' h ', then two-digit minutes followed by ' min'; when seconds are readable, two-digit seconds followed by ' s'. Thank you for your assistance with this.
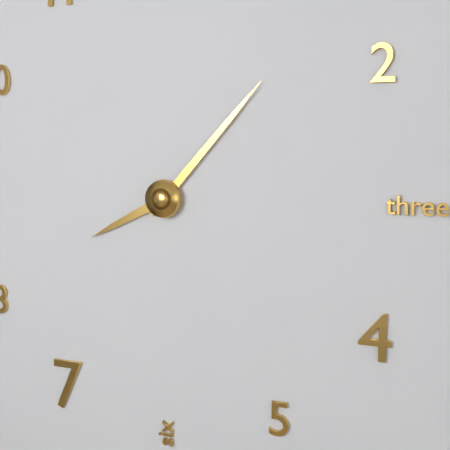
8 h 07 min
